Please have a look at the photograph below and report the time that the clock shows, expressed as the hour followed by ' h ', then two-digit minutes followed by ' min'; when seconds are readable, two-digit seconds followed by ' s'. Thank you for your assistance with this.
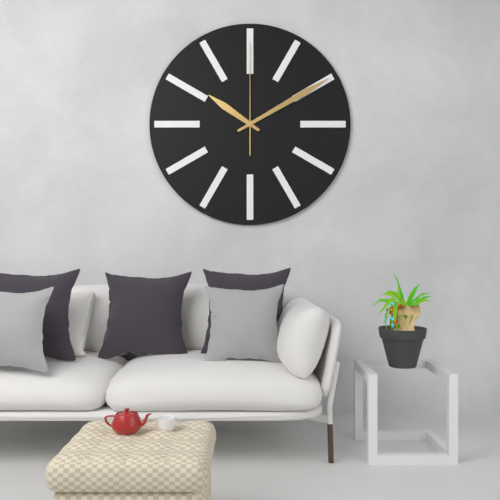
10 h 10 min 00 s
